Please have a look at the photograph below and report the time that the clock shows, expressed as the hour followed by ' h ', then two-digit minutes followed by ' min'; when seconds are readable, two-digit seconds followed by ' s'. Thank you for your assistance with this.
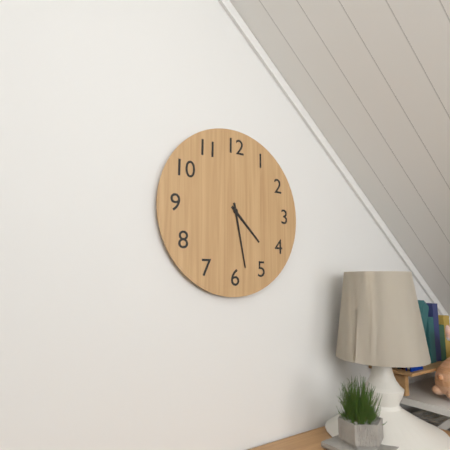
4 h 28 min
